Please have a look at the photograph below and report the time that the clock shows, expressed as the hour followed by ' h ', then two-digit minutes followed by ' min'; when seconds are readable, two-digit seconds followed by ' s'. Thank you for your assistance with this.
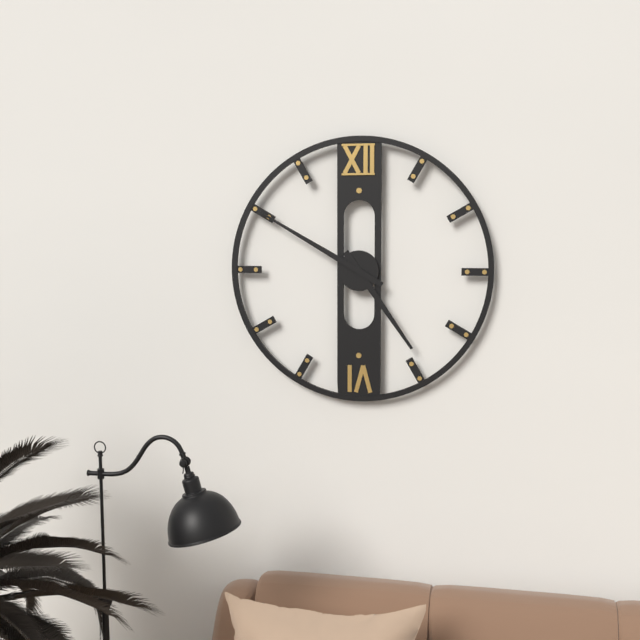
4 h 50 min
